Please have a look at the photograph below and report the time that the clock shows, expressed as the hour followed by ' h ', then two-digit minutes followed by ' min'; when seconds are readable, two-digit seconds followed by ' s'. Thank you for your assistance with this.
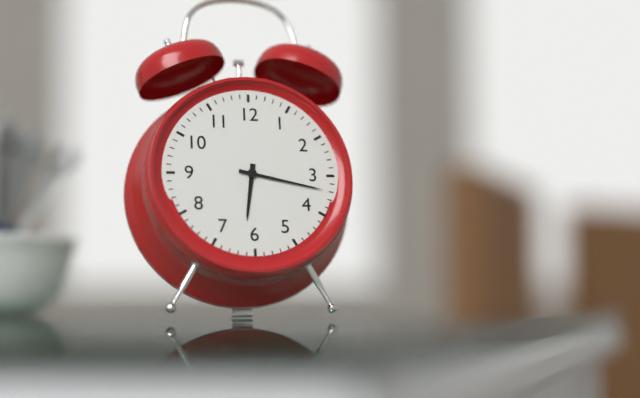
6 h 17 min
